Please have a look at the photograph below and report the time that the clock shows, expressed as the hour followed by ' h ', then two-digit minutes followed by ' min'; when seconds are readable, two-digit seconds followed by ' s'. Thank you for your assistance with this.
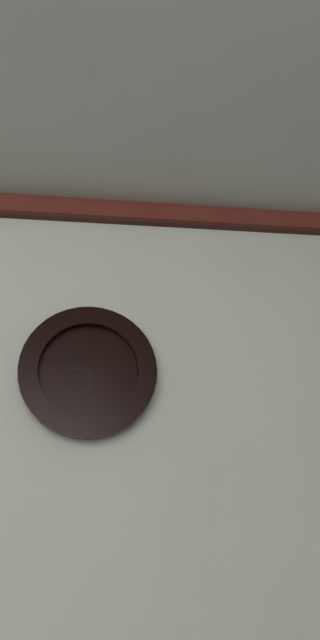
9 h 29 min
